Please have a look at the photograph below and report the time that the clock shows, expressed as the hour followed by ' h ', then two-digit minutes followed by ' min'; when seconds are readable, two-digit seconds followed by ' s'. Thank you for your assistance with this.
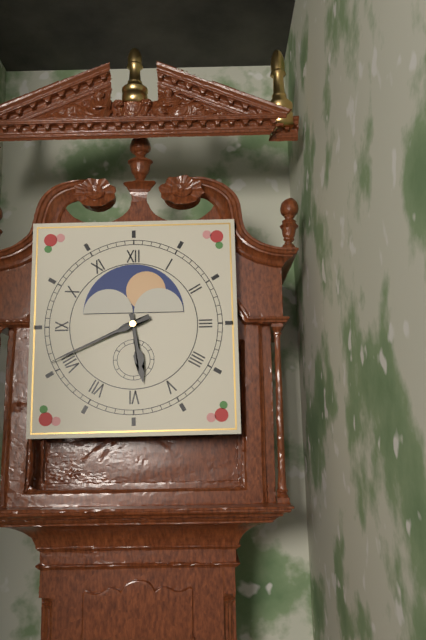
5 h 41 min
